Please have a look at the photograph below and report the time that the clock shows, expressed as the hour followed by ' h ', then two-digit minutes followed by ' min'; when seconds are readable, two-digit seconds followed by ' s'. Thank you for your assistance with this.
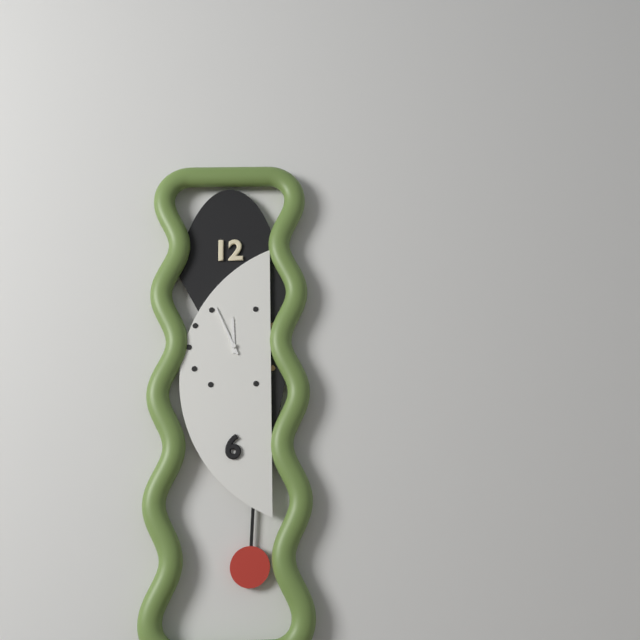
11 h 56 min
